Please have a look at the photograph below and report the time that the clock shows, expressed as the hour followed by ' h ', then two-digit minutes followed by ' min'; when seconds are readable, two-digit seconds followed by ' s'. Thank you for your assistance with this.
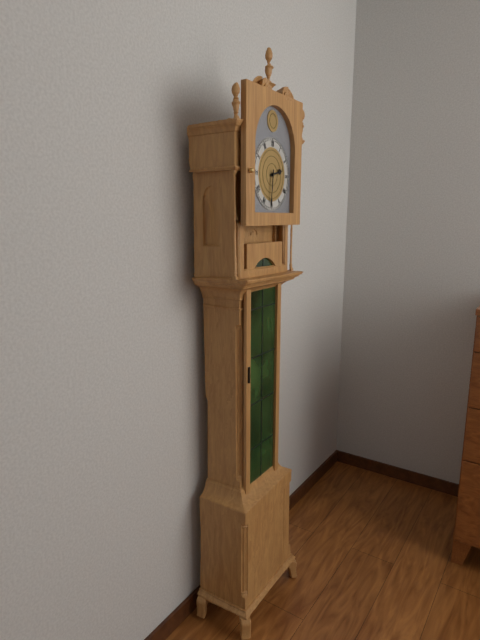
2 h 31 min
